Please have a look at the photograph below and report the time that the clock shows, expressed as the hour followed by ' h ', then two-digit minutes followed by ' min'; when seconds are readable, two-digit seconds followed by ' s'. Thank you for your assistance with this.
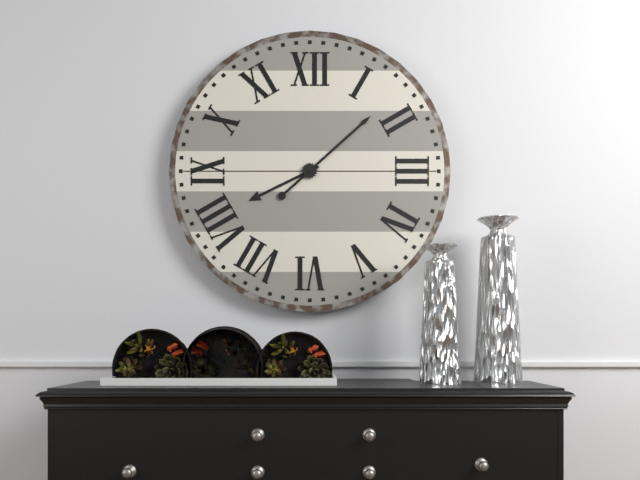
8 h 08 min
